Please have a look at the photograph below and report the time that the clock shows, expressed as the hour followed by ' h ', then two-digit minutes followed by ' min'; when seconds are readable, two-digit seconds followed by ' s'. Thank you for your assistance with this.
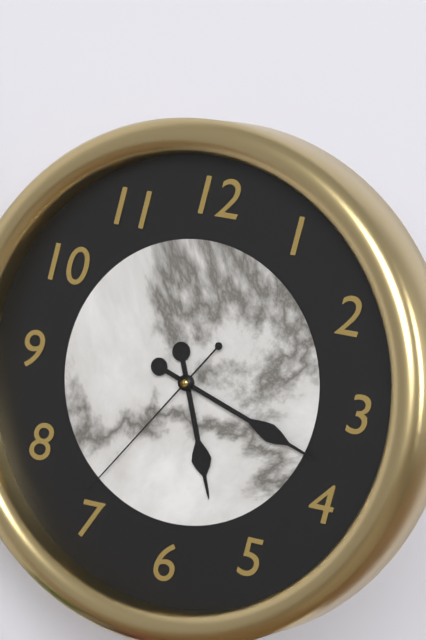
5 h 18 min 36 s
